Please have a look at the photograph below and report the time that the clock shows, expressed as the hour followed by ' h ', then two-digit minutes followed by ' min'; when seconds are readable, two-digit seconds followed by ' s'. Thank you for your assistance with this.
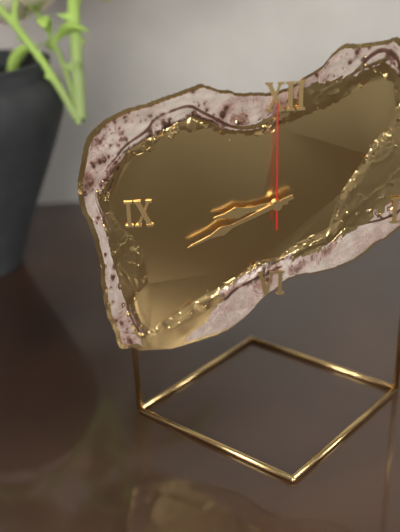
8 h 41 min 00 s
